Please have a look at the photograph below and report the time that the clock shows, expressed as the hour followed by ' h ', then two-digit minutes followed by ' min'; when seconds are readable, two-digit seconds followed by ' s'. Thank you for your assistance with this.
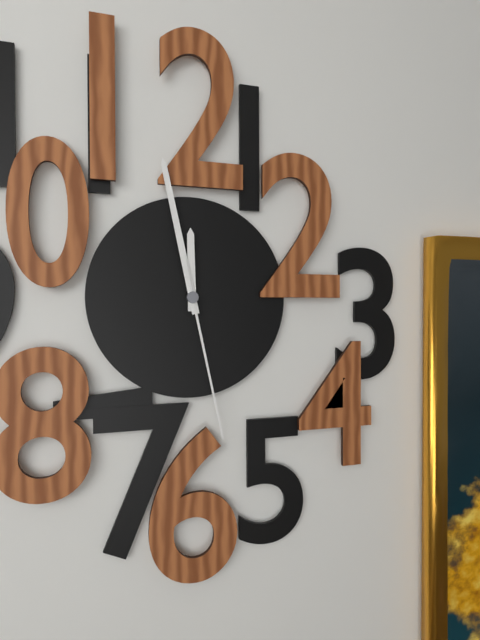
11 h 58 min 28 s
